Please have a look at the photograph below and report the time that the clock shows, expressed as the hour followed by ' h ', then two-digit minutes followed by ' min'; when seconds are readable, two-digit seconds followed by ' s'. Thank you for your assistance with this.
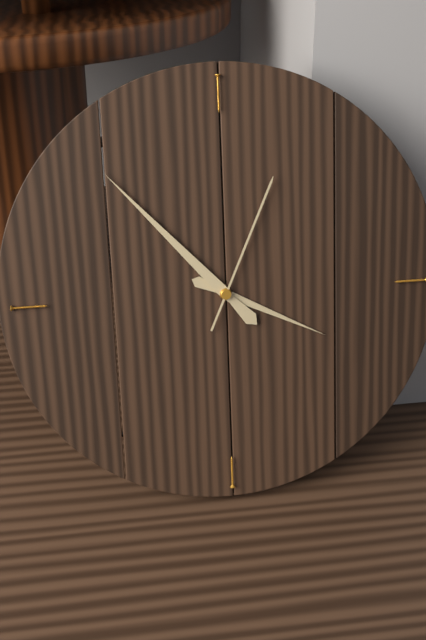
3 h 53 min 04 s
